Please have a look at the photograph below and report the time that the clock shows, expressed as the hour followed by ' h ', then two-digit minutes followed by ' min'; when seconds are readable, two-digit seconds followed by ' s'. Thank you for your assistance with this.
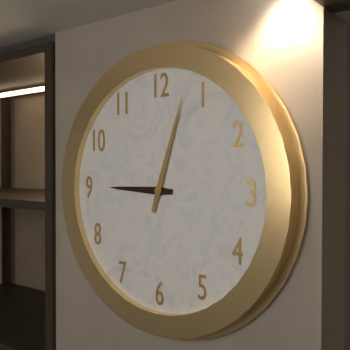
9 h 03 min
